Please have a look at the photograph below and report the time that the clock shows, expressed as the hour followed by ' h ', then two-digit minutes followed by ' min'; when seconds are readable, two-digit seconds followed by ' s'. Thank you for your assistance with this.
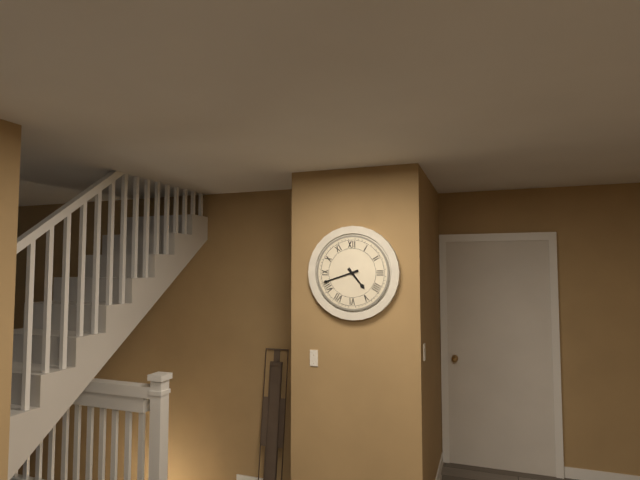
4 h 42 min
